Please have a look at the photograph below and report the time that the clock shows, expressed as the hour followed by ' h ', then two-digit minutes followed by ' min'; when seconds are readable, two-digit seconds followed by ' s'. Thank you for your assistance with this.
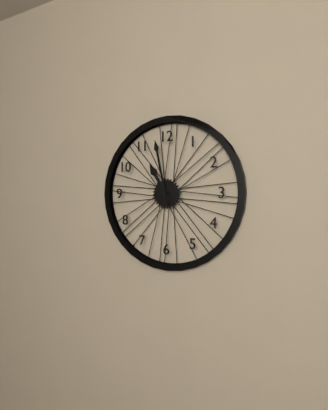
10 h 58 min
